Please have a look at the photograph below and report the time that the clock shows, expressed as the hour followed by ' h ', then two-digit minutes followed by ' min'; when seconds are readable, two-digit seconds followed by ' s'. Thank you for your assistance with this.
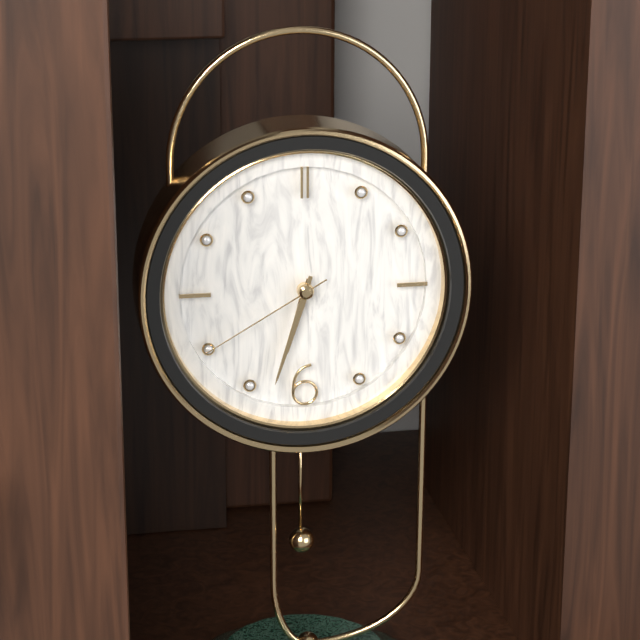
6 h 33 min 40 s
